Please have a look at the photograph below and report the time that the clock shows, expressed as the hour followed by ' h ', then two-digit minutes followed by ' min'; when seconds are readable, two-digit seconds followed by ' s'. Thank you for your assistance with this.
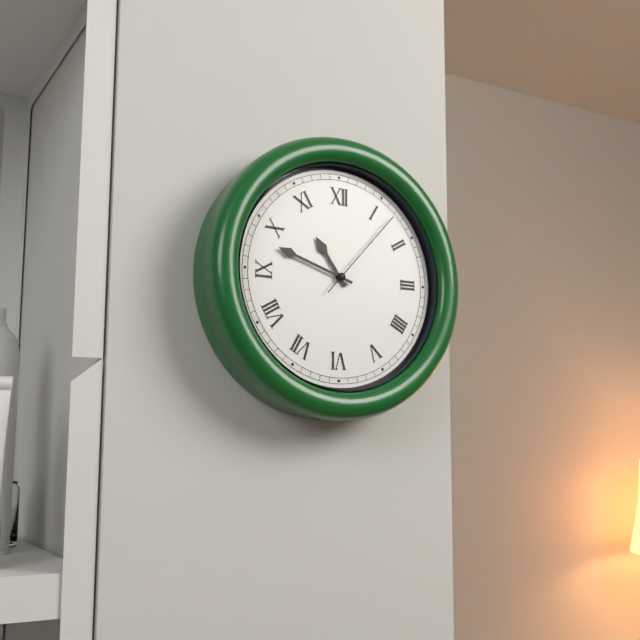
10 h 48 min 07 s
